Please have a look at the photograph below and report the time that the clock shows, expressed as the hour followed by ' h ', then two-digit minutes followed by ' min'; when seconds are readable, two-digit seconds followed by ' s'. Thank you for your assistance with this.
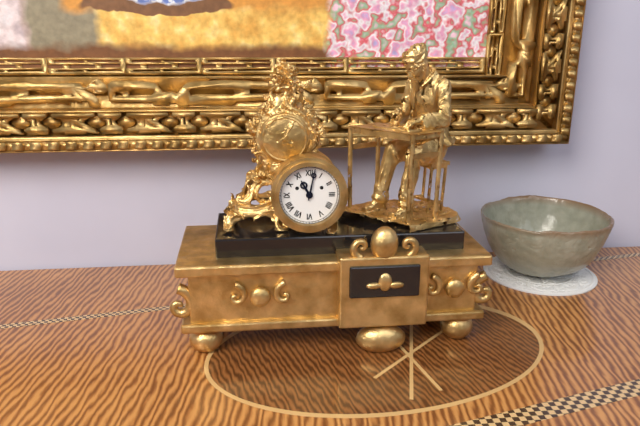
11 h 02 min
